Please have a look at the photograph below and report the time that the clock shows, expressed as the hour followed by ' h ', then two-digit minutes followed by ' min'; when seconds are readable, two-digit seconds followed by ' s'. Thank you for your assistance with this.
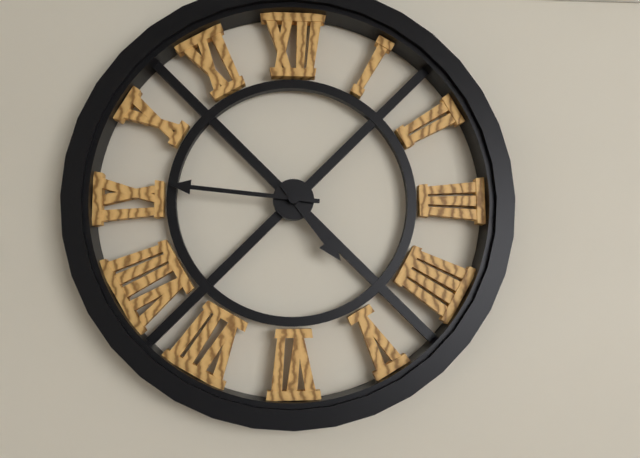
4 h 46 min
